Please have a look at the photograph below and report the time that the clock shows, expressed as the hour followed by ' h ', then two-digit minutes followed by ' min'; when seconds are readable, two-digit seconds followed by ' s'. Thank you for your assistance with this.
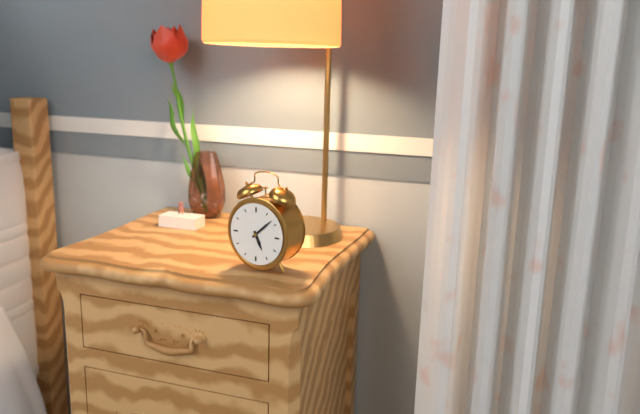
5 h 08 min
